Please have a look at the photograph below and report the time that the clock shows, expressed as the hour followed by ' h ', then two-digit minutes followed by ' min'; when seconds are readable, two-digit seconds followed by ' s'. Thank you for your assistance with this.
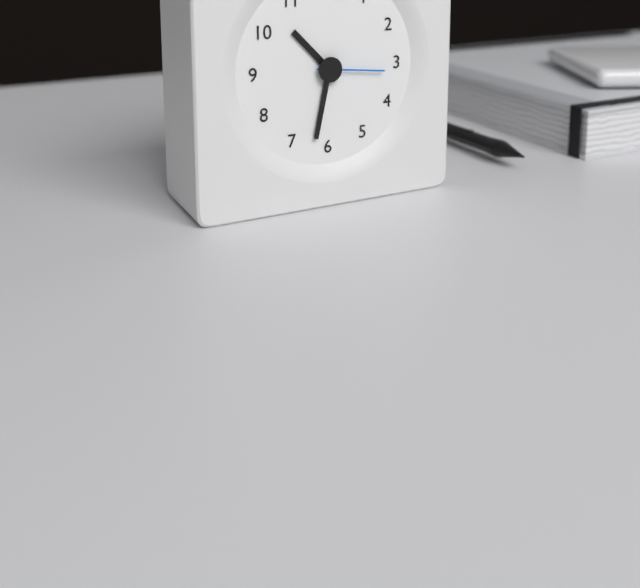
10 h 32 min 16 s
